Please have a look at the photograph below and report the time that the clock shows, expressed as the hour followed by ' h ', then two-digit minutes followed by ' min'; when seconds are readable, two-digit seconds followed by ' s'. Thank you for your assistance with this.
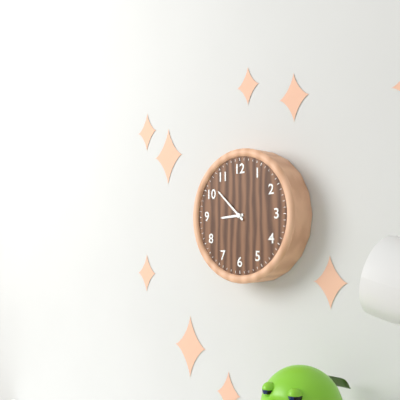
8 h 52 min
